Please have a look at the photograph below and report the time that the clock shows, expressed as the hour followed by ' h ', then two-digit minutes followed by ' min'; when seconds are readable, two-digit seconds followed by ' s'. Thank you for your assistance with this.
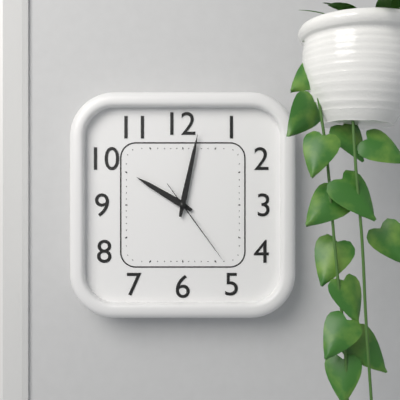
10 h 02 min 24 s
